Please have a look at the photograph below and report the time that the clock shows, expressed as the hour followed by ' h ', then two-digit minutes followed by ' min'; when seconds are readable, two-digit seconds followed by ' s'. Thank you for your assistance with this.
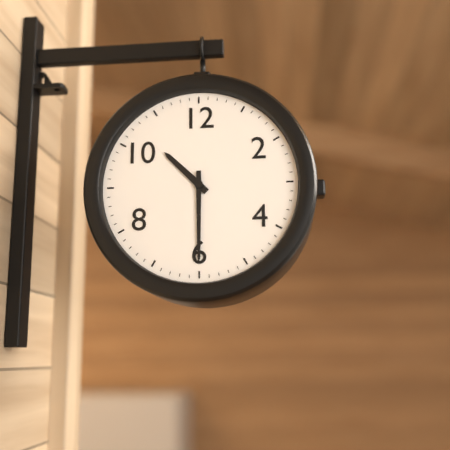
10 h 30 min
